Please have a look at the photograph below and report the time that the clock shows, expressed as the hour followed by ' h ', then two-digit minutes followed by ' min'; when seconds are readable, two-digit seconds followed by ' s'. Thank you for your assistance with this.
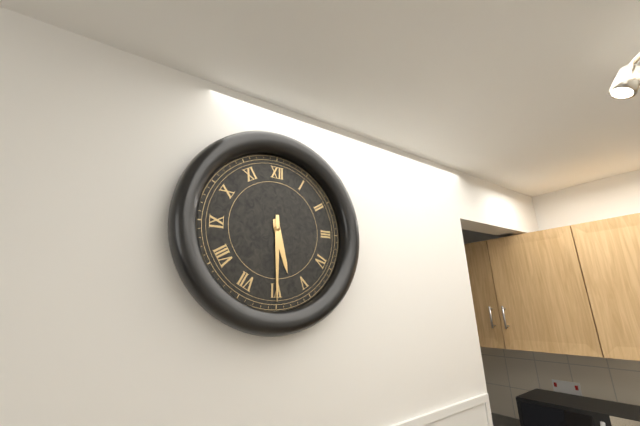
5 h 30 min
